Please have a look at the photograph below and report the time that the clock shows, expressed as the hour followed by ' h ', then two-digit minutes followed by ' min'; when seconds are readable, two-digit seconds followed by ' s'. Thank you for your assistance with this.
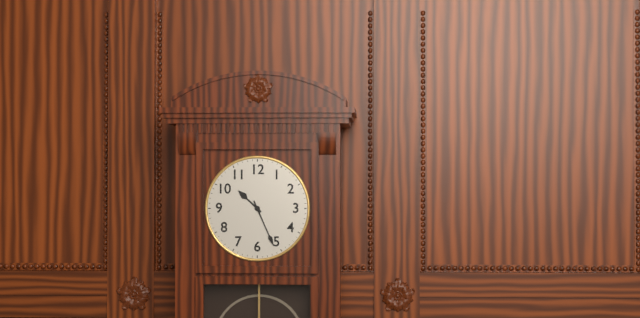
10 h 26 min
